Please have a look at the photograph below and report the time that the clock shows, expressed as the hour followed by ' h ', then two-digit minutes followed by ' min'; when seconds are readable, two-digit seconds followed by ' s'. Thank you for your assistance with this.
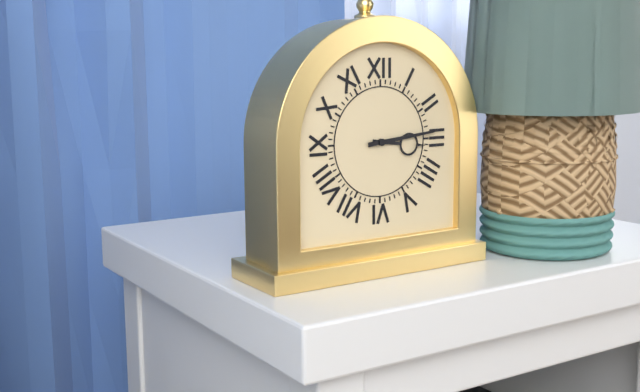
3 h 14 min
